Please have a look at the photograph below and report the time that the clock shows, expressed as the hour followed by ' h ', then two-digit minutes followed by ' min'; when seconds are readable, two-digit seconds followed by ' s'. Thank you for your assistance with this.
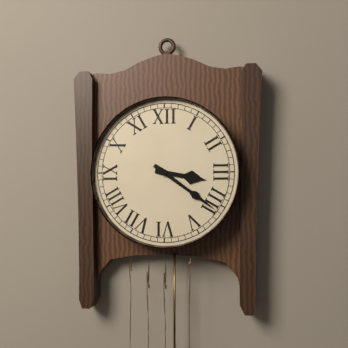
3 h 21 min
